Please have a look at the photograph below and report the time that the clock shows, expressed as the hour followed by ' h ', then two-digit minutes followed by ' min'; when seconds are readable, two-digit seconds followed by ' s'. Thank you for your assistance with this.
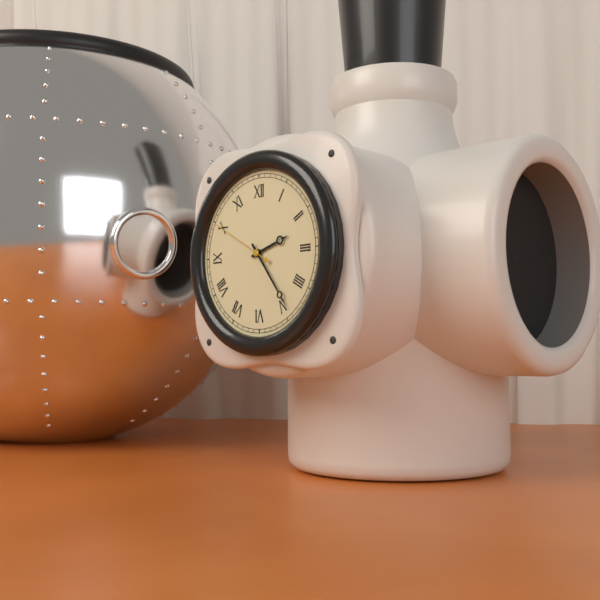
2 h 24 min 50 s
